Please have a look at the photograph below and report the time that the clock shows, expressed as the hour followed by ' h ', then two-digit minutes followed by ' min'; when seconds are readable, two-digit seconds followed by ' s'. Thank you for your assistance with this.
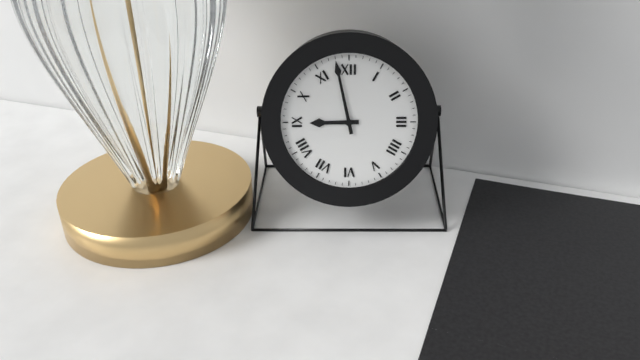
8 h 58 min
